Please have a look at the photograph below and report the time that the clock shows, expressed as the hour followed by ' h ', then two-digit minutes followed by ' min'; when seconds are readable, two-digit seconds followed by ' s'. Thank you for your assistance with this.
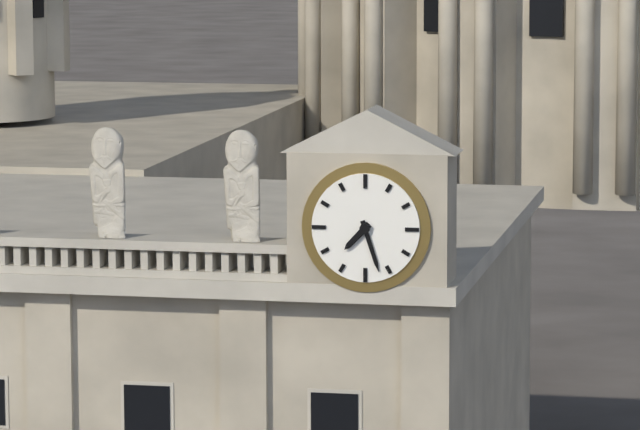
7 h 27 min
